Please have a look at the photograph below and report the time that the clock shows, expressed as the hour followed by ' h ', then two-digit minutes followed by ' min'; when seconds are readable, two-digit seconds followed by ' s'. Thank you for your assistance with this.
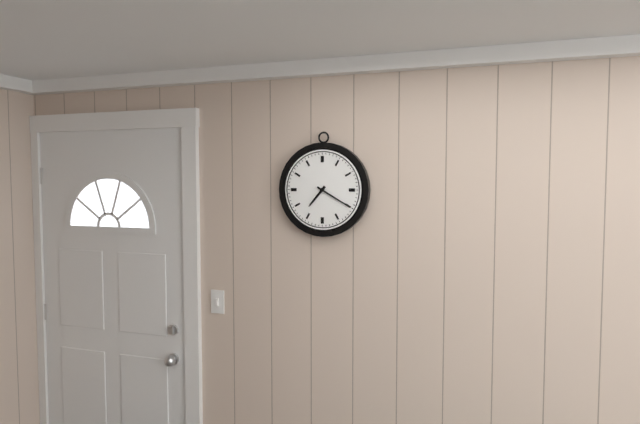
7 h 20 min
